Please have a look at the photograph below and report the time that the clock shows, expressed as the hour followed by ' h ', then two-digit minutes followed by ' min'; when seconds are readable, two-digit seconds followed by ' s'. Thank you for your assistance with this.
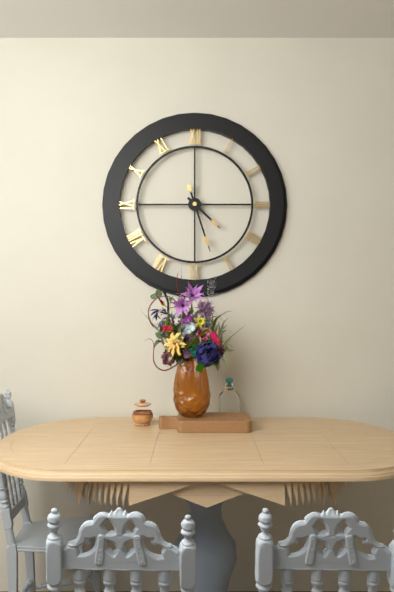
4 h 27 min
